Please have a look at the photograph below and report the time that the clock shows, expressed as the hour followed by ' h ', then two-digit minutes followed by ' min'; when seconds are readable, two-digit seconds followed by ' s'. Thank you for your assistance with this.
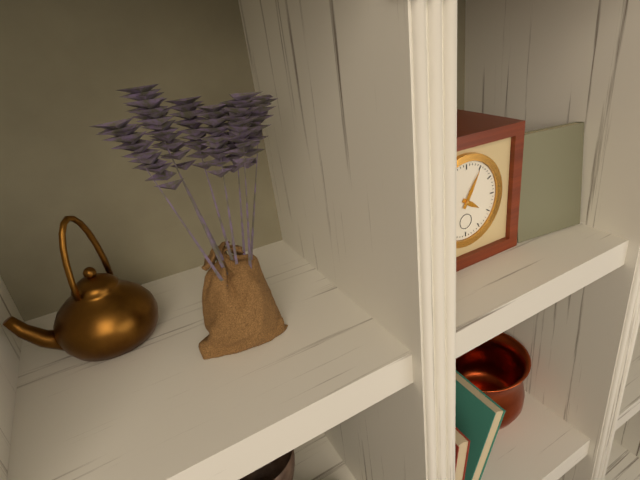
4 h 05 min
